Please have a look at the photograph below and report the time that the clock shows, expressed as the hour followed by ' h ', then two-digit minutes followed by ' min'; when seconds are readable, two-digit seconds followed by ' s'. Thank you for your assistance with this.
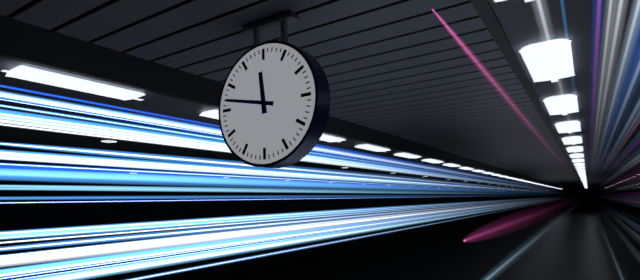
11 h 47 min
